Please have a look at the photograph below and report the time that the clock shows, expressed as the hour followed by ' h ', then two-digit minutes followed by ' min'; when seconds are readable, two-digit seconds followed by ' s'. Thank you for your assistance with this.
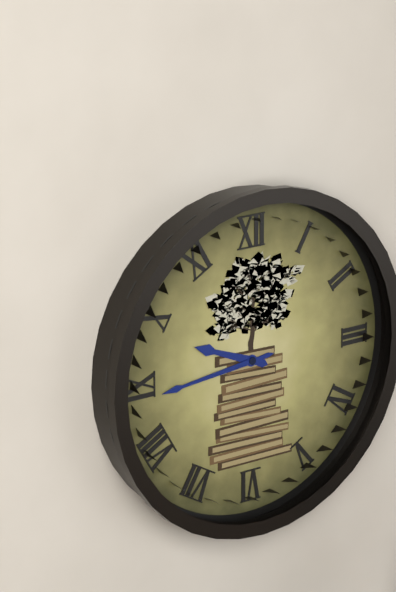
9 h 44 min
